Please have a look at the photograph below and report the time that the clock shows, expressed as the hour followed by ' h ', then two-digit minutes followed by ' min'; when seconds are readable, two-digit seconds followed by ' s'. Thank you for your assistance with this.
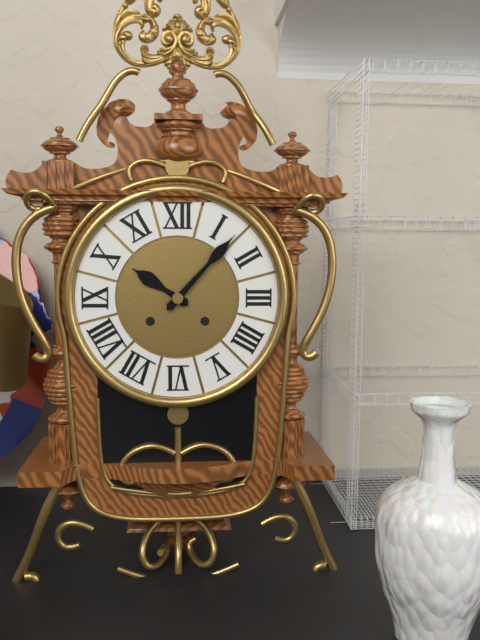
10 h 07 min
